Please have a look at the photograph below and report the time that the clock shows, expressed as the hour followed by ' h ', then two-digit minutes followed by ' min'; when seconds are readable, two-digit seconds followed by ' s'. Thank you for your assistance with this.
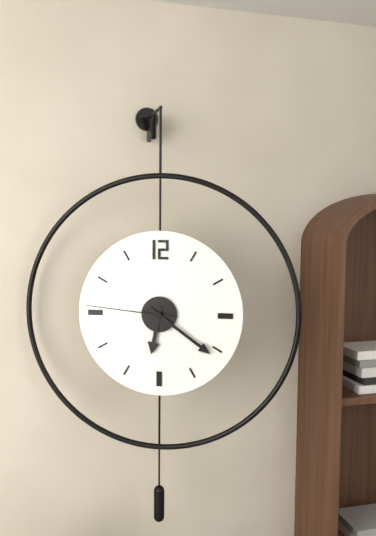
6 h 21 min 46 s
